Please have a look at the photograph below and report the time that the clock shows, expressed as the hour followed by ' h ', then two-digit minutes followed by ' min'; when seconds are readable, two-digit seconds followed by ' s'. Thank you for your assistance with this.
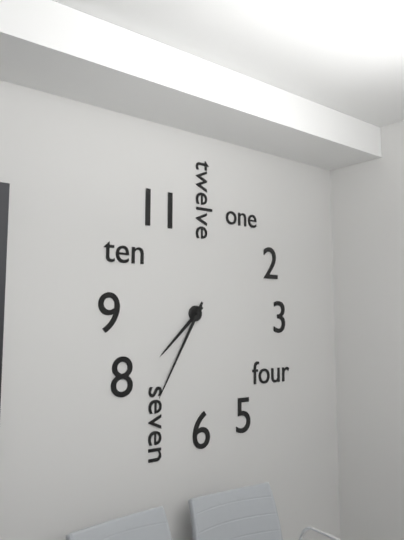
7 h 35 min
